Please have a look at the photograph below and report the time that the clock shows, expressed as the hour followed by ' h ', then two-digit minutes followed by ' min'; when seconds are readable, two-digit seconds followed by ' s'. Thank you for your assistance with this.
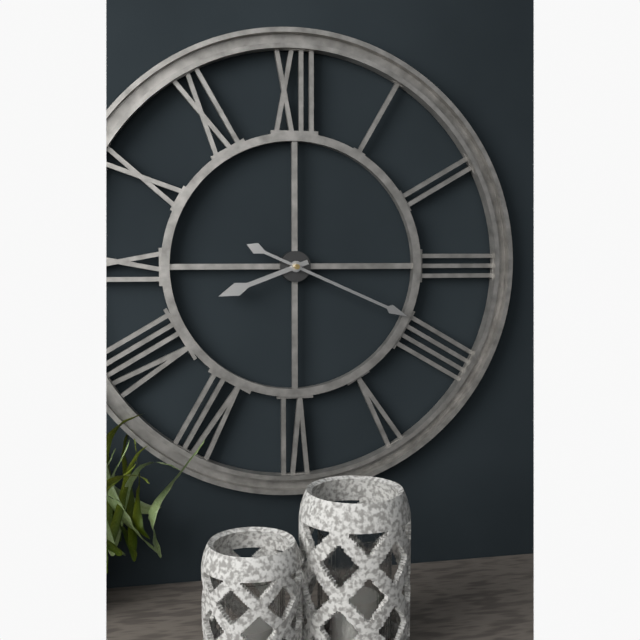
8 h 19 min
